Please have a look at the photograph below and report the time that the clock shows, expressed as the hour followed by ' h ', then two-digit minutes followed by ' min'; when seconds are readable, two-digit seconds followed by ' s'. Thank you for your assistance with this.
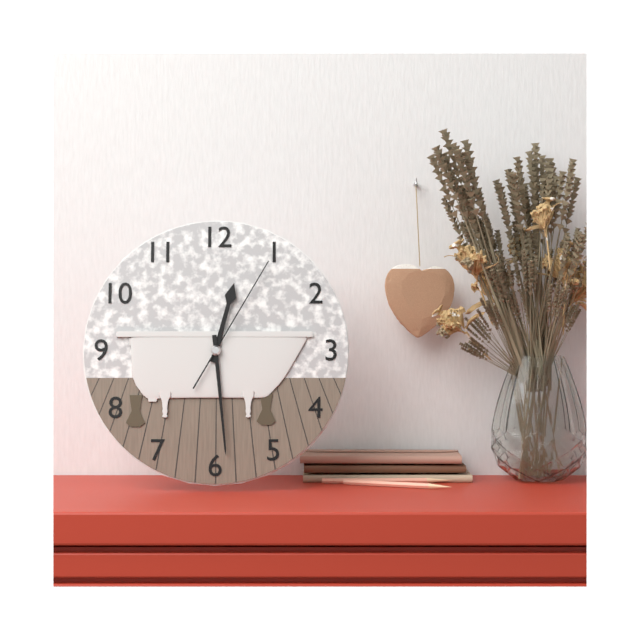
12 h 29 min 05 s
